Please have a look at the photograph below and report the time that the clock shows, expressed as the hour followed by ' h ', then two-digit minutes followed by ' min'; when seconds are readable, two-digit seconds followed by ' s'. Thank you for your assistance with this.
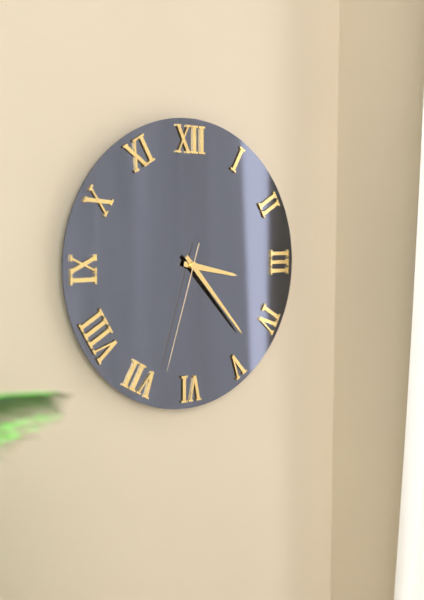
3 h 23 min 33 s
